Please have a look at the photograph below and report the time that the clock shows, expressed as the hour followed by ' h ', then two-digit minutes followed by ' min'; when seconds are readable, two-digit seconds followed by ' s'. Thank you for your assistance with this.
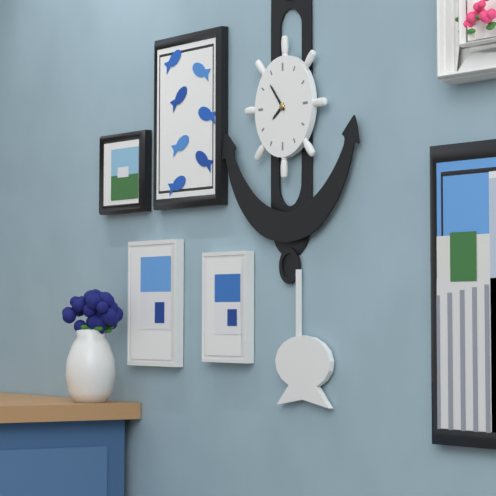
7 h 53 min
